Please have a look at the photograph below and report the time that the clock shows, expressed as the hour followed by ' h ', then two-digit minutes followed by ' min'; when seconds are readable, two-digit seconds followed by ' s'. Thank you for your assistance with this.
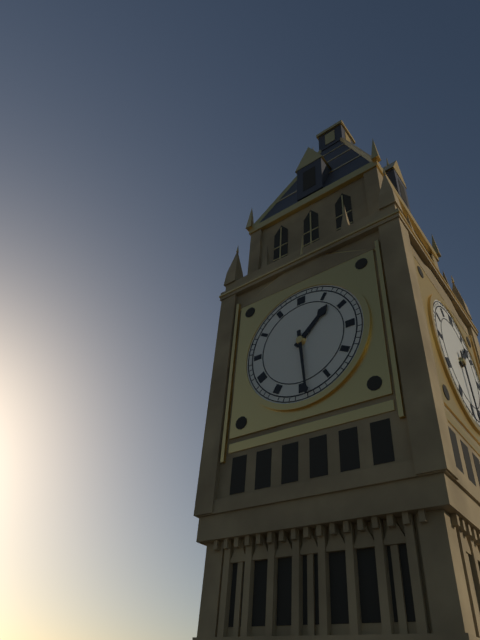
1 h 29 min
